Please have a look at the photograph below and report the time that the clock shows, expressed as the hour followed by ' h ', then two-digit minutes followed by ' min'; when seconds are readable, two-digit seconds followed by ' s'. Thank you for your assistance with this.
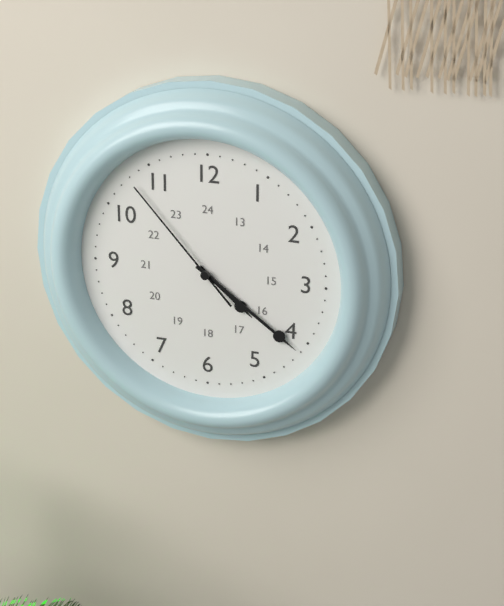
4 h 21 min 53 s
